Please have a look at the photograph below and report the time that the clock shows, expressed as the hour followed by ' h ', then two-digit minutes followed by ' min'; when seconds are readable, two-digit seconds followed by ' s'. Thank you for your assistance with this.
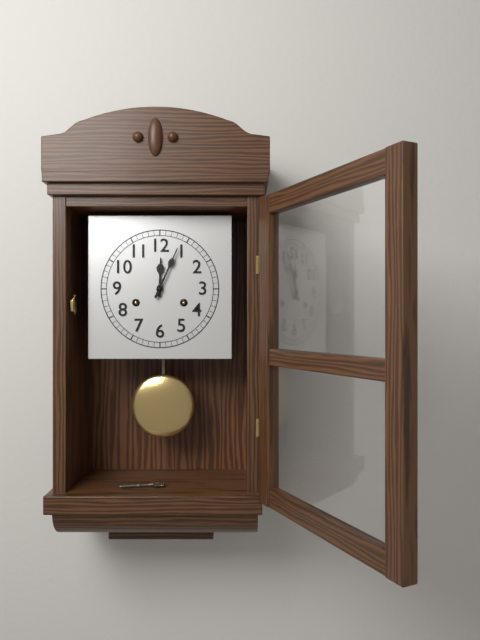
12 h 04 min
